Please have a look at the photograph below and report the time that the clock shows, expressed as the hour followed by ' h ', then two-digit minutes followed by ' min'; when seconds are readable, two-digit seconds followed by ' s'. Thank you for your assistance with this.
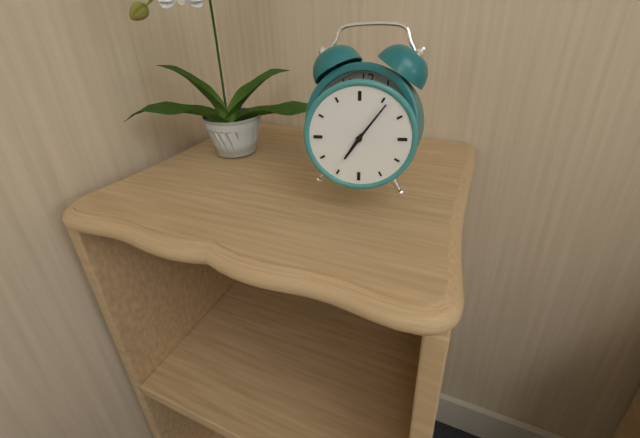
7 h 06 min
